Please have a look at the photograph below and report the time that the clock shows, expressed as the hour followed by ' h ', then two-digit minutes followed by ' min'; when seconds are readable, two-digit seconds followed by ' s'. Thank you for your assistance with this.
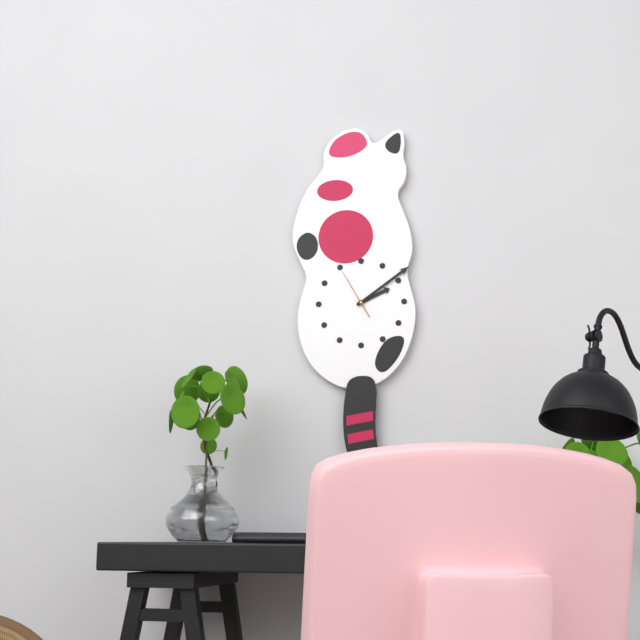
2 h 09 min
